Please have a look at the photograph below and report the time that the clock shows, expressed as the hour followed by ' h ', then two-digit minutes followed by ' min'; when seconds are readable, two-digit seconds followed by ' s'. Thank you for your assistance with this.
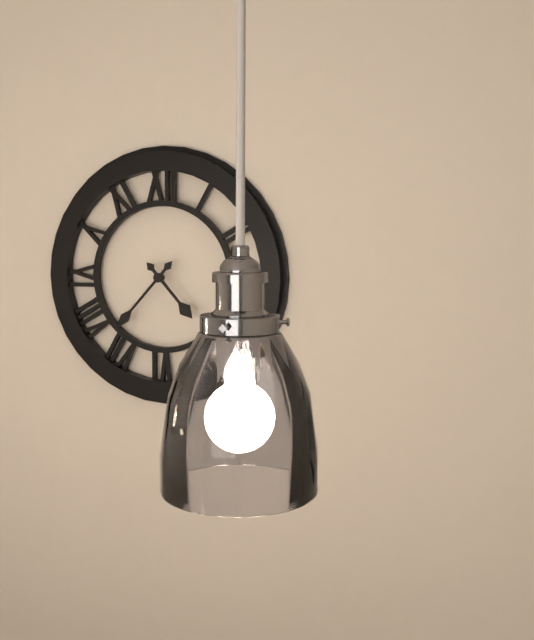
4 h 37 min
